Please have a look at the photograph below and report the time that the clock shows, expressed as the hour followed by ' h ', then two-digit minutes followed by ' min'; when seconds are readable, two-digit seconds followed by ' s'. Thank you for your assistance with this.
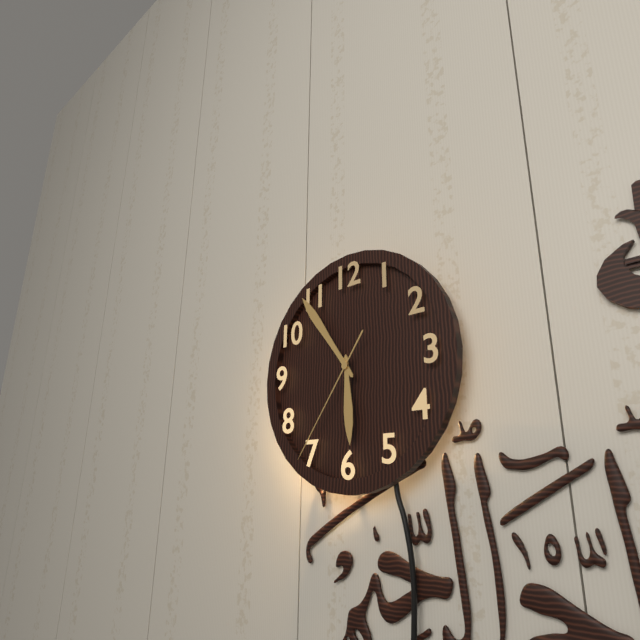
5 h 54 min 36 s
